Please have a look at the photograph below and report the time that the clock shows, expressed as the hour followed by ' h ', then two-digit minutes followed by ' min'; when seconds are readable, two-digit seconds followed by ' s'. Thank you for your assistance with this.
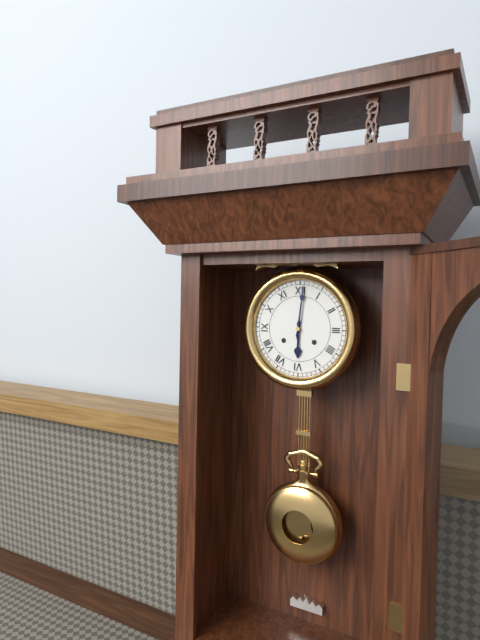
6 h 01 min
